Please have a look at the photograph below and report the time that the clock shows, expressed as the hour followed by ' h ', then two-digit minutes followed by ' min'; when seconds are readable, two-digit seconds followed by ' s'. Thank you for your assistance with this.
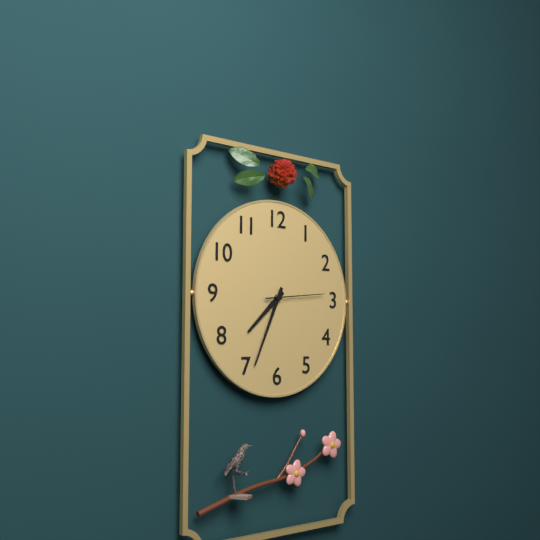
7 h 34 min 14 s
